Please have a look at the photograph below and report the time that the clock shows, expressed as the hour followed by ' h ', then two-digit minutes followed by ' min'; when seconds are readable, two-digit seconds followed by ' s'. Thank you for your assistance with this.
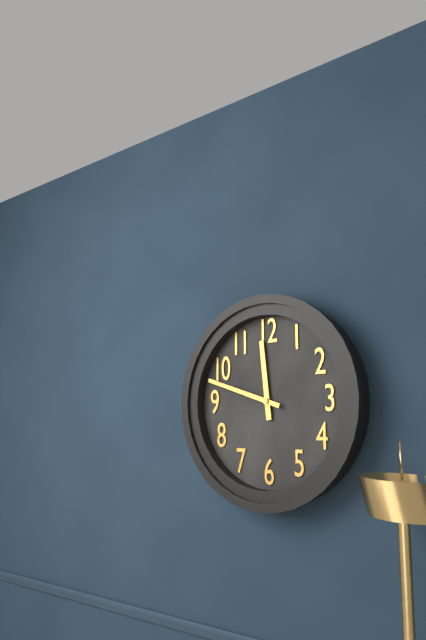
11 h 48 min
